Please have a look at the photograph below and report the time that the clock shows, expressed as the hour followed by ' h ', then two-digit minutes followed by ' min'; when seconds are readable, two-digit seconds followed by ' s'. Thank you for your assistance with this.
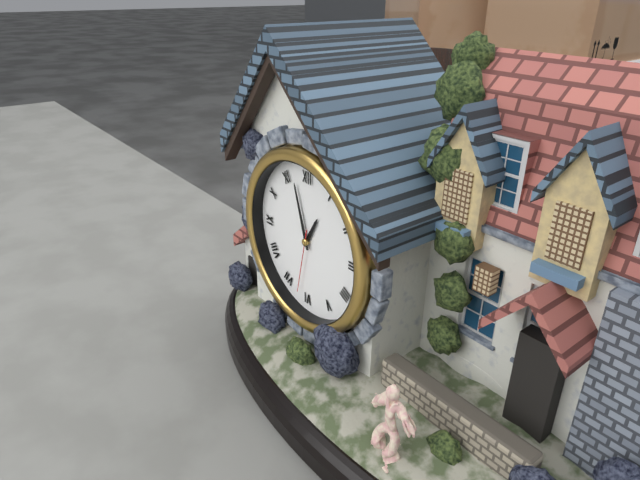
12 h 57 min 32 s
